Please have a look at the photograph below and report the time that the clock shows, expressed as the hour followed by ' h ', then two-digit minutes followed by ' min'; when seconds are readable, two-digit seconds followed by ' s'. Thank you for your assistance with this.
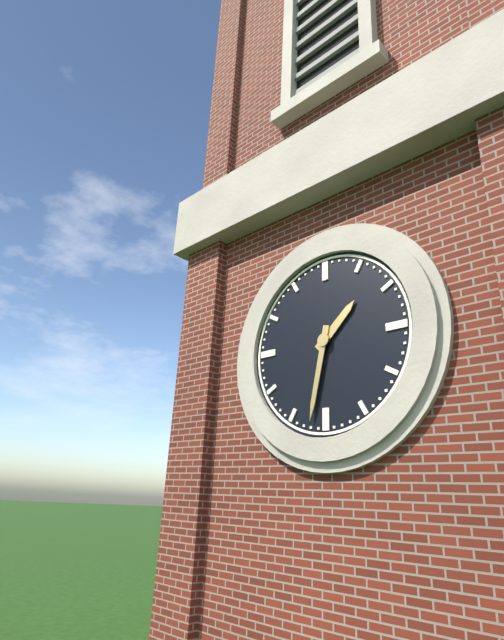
1 h 32 min
